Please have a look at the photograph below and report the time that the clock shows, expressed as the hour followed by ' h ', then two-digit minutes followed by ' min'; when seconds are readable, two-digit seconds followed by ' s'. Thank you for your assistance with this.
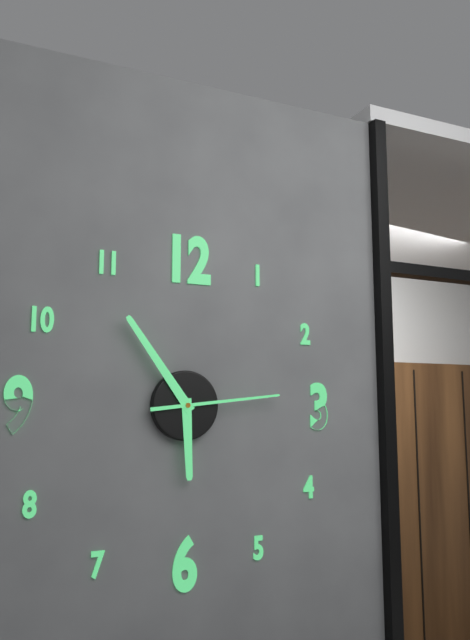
5 h 54 min 14 s
